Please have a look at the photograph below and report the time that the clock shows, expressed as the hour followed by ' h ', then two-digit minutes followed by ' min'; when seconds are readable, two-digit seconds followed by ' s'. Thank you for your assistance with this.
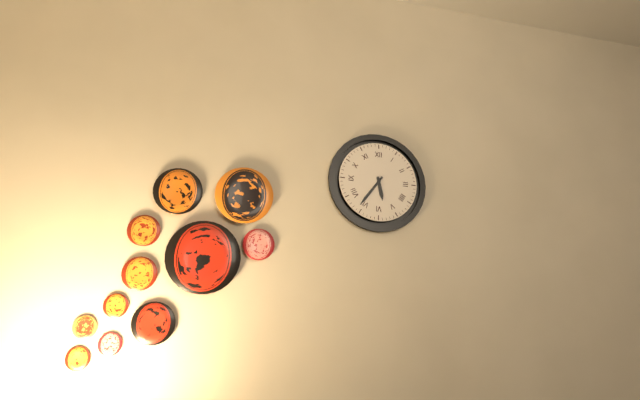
5 h 36 min
